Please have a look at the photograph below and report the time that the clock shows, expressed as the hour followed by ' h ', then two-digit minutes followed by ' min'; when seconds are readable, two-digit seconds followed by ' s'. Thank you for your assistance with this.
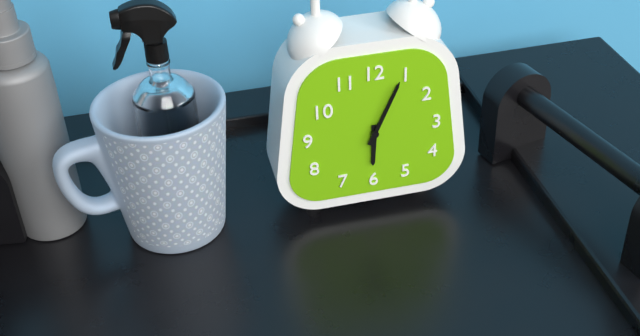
6 h 04 min
